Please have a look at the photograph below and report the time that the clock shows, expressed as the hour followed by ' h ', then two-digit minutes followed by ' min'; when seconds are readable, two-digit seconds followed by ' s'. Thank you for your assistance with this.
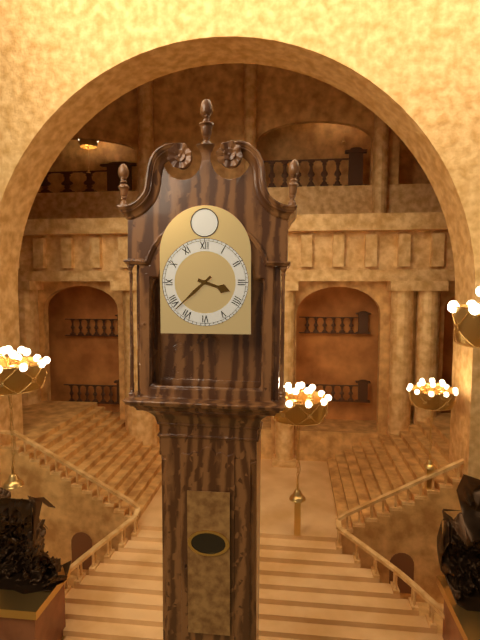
3 h 38 min
